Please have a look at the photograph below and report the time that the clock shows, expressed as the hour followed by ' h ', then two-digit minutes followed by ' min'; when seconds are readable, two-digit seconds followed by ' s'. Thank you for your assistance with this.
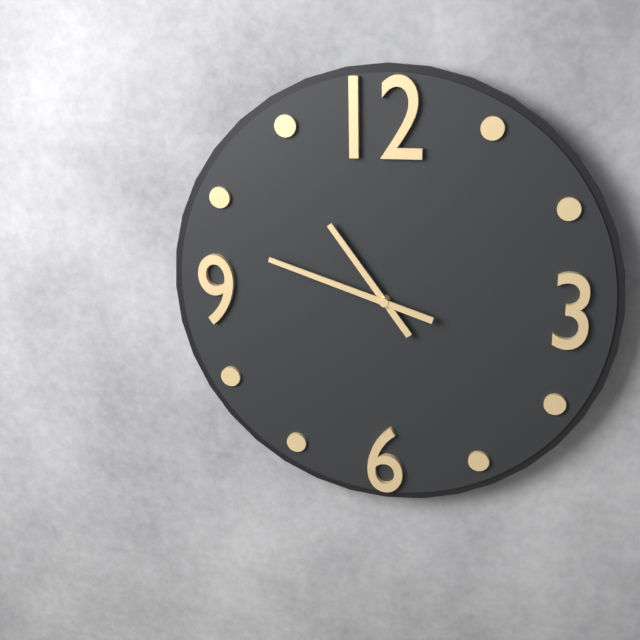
10 h 48 min
